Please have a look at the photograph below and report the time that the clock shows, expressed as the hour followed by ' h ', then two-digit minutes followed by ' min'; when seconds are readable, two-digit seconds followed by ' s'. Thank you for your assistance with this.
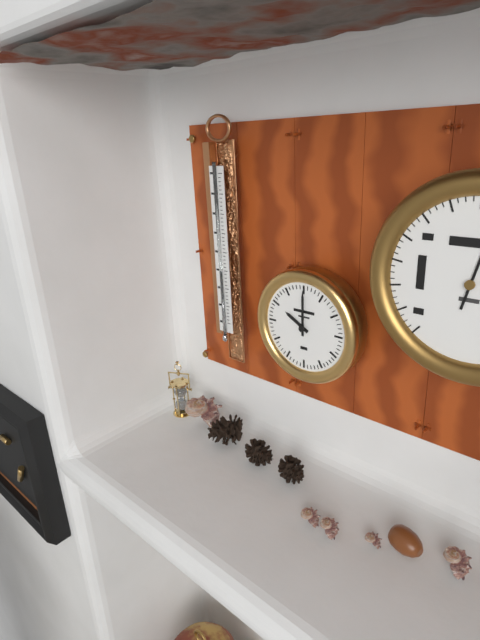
10 h 00 min
